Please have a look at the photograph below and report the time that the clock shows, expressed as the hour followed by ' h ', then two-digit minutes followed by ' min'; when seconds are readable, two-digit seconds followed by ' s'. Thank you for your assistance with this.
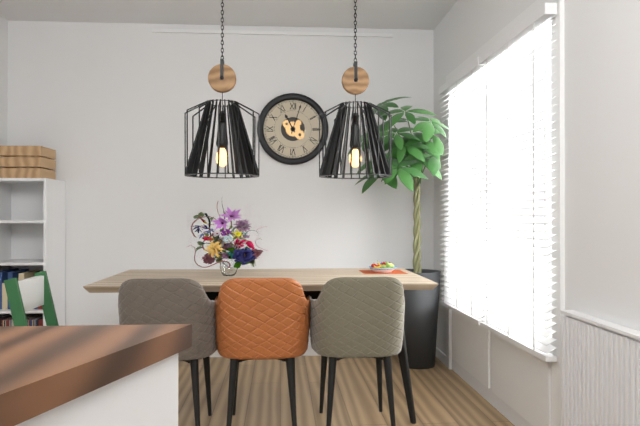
11 h 03 min
